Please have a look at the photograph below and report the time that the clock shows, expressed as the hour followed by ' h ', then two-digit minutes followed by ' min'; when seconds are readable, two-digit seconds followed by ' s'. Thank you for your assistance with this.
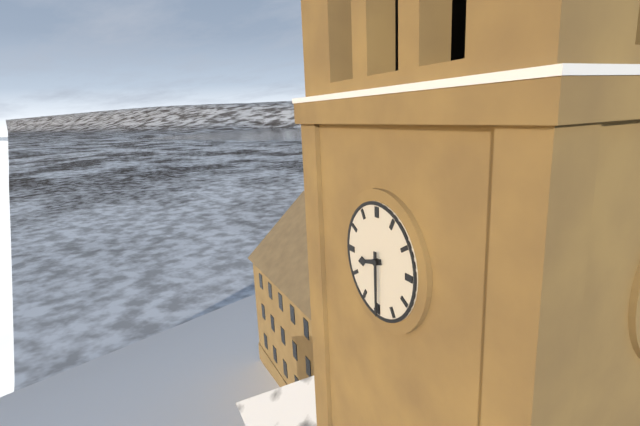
8 h 30 min
